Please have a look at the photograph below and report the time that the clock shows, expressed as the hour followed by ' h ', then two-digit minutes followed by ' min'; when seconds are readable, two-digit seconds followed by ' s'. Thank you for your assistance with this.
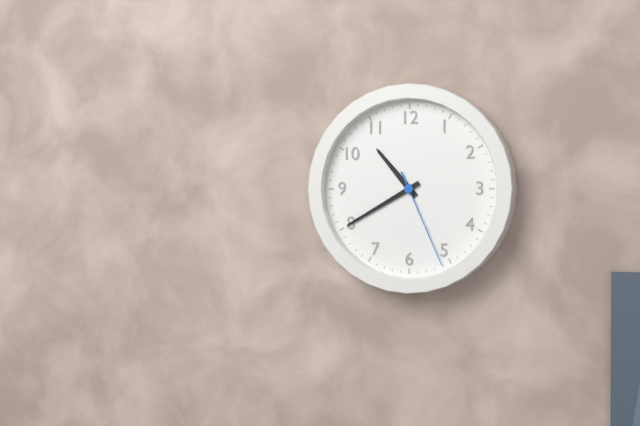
10 h 40 min 26 s
